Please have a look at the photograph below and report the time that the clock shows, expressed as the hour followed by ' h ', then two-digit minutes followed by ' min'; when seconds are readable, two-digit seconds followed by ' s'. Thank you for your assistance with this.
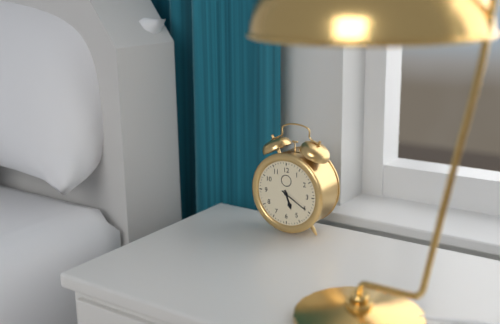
5 h 20 min
